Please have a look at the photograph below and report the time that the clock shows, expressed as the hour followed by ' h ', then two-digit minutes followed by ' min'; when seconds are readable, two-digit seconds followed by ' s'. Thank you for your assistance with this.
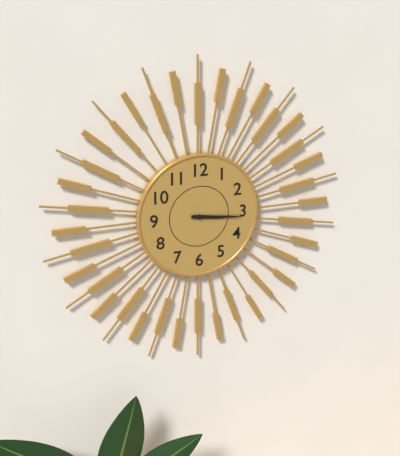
3 h 16 min
